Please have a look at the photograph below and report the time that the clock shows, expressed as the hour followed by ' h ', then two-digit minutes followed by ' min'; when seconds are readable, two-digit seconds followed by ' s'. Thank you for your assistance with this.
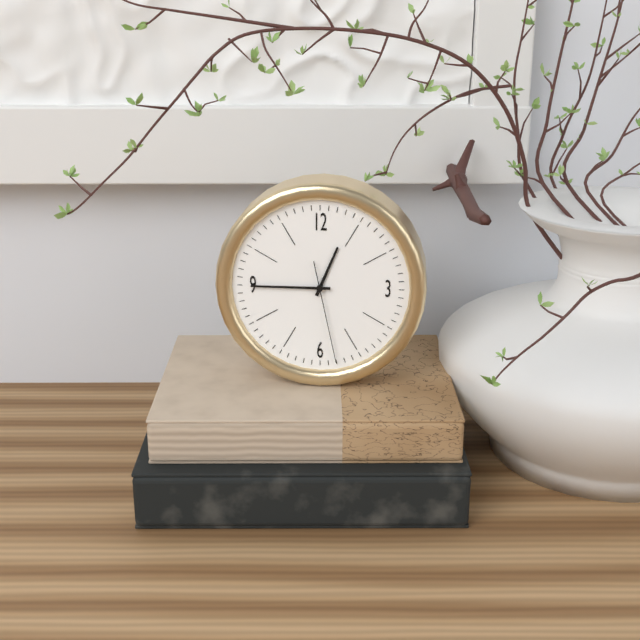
12 h 45 min 28 s
